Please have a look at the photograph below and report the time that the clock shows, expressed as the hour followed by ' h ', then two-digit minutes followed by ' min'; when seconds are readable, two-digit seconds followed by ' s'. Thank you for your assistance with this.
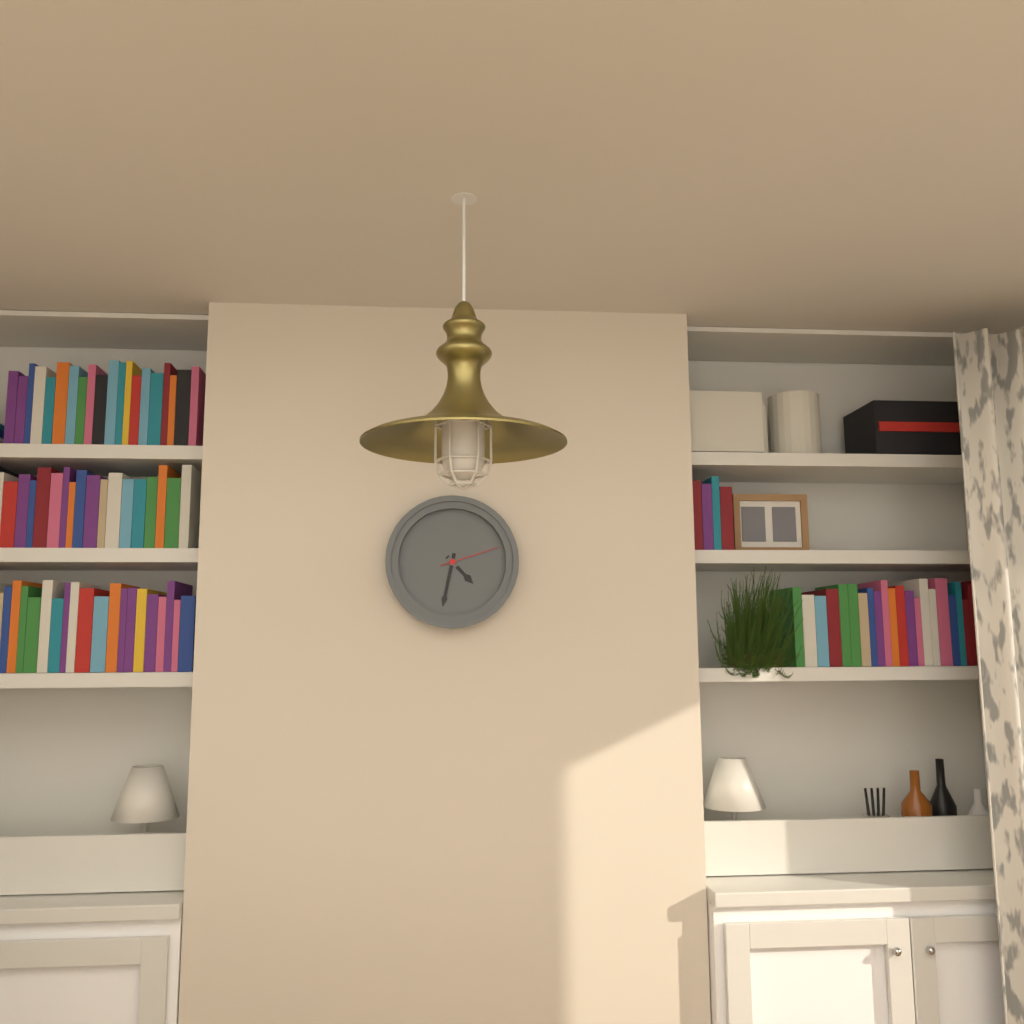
4 h 32 min 12 s
